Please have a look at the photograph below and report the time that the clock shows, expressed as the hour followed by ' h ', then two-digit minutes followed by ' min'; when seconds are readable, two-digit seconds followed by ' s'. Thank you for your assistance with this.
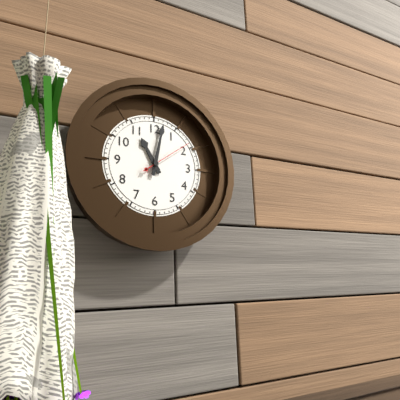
11 h 02 min
